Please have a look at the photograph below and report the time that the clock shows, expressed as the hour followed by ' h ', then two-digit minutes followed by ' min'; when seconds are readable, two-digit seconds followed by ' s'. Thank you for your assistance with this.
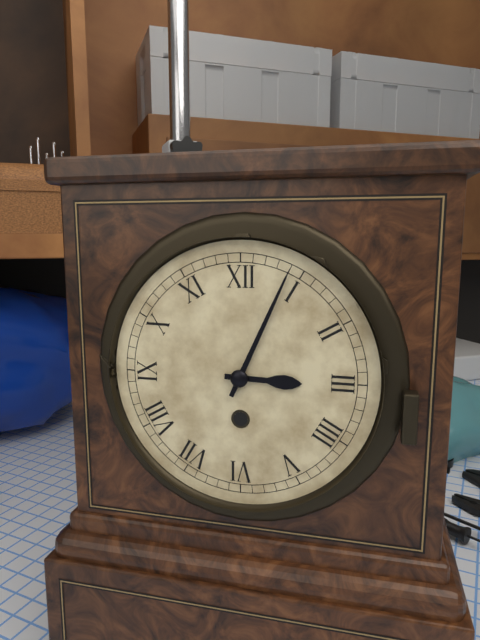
3 h 04 min
